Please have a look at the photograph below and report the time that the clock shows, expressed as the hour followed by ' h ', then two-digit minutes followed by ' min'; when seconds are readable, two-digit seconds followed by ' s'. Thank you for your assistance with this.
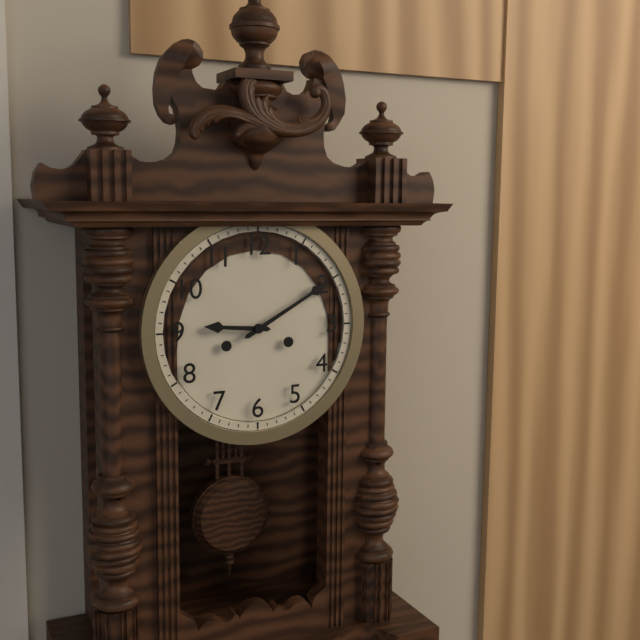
9 h 10 min
